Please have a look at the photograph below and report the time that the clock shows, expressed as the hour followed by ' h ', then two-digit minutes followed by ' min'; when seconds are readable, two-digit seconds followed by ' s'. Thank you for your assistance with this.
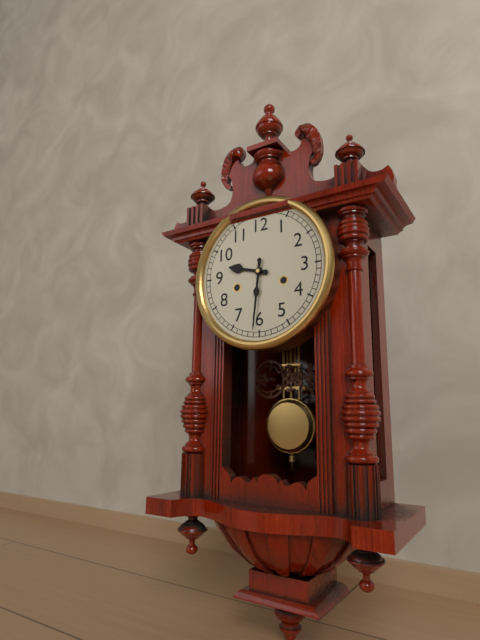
9 h 31 min
